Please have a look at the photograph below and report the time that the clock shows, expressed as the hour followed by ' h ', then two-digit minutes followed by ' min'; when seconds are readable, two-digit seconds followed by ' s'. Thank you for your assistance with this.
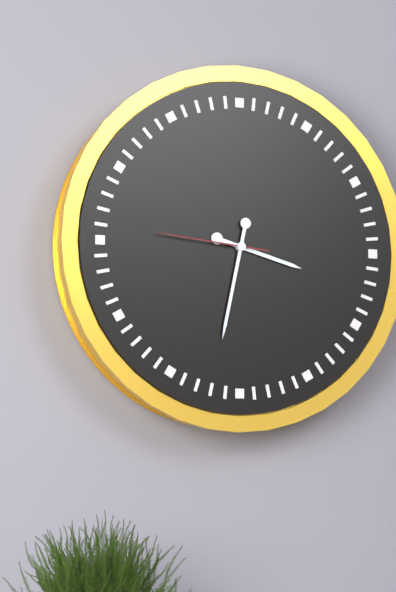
3 h 32 min 46 s
